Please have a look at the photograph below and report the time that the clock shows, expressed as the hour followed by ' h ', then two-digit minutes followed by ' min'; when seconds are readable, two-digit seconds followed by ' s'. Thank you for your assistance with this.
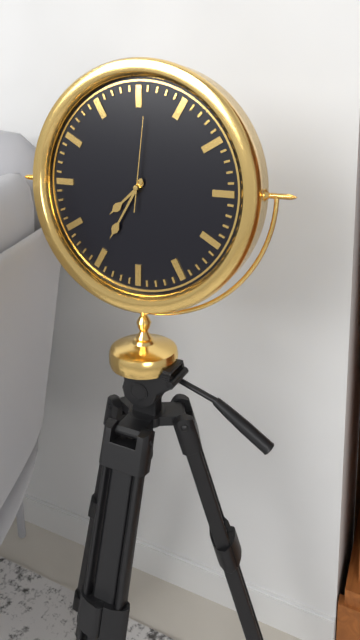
7 h 35 min 01 s
